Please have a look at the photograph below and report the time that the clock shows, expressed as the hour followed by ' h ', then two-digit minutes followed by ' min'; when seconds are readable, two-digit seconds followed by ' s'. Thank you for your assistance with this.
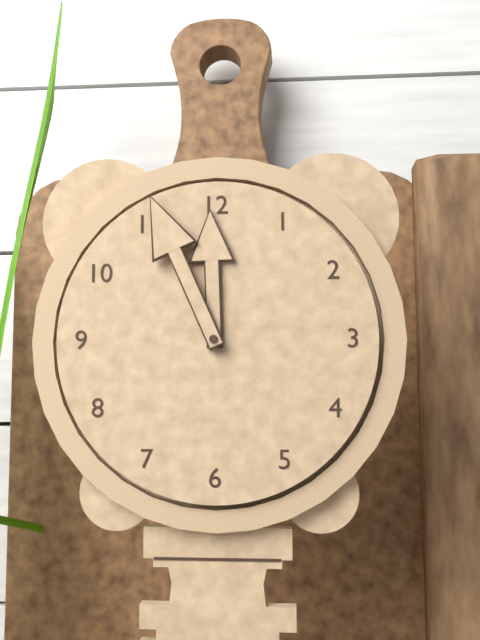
11 h 56 min
